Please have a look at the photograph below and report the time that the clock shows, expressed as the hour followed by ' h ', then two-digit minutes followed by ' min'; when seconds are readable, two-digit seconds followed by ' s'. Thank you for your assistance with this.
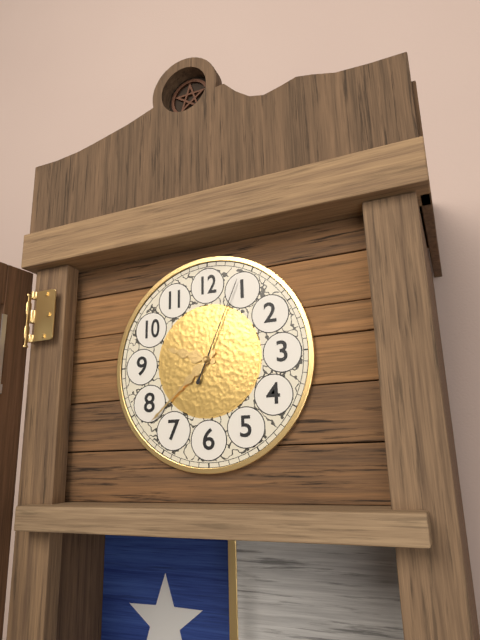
9 h 38 min 04 s
